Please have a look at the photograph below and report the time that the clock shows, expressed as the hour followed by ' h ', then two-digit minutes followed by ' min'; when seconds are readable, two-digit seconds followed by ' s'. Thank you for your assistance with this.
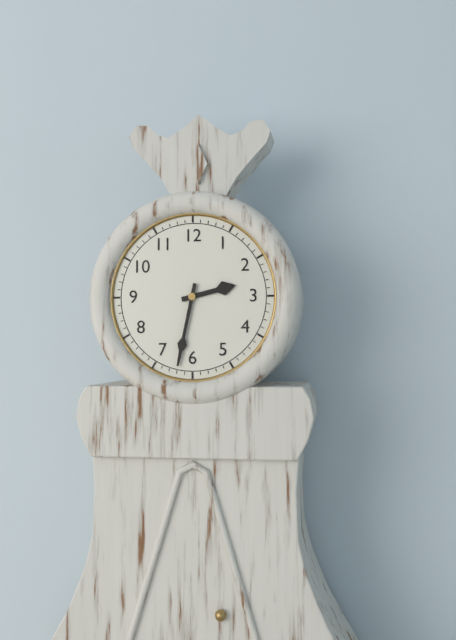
2 h 32 min
